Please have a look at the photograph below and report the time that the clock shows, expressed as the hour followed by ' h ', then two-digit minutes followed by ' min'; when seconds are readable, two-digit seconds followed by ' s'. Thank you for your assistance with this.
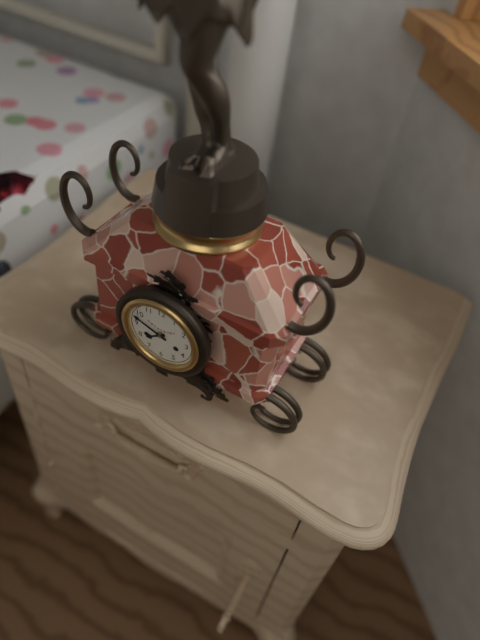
7 h 48 min
